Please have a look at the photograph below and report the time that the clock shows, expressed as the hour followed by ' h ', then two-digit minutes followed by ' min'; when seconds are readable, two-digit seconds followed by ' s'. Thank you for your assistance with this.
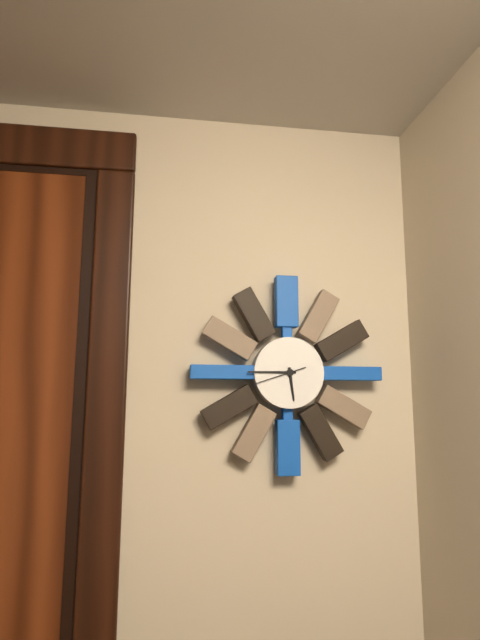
5 h 45 min
